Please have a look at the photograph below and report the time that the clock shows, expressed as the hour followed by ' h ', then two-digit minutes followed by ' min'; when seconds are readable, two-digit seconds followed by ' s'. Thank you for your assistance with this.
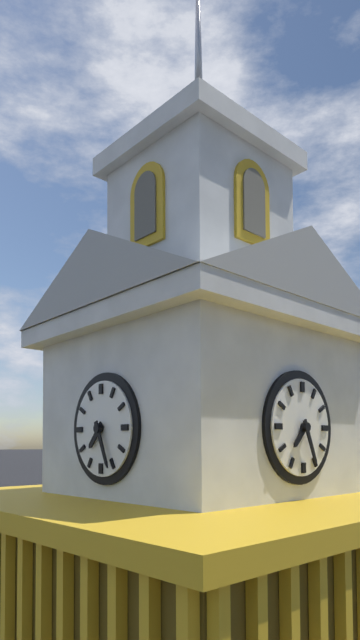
7 h 26 min
